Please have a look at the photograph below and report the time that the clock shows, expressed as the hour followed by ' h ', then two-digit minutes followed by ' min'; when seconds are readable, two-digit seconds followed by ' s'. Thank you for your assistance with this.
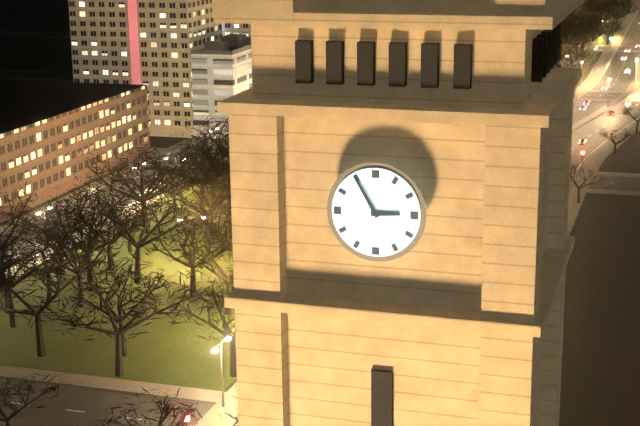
2 h 55 min
